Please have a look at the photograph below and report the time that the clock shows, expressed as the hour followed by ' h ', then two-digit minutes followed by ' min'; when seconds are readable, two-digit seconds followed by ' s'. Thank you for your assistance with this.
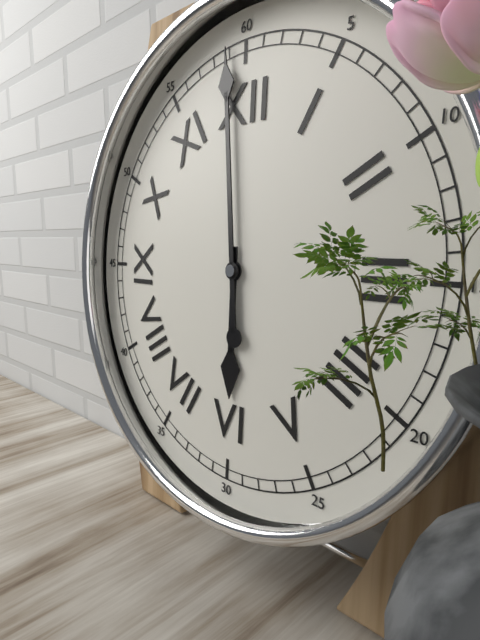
5 h 59 min
